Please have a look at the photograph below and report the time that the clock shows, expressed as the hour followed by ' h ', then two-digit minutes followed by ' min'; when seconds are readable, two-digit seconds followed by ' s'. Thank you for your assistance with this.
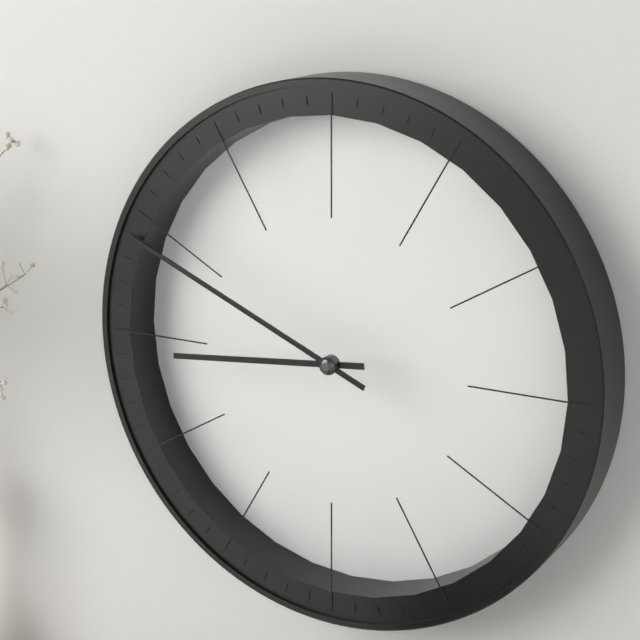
8 h 49 min
